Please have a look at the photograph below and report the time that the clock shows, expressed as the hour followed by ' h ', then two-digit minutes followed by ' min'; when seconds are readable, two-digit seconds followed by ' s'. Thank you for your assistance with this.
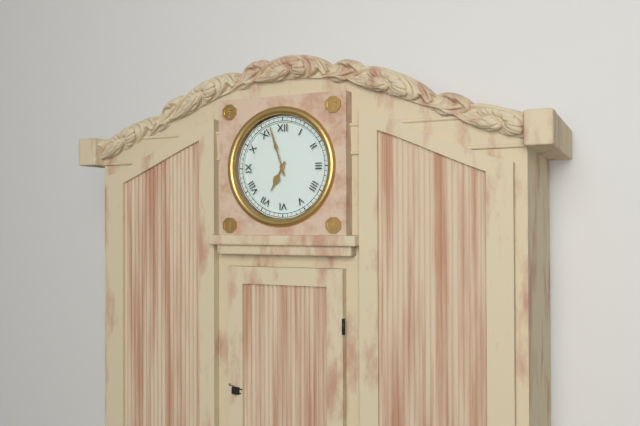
6 h 57 min
